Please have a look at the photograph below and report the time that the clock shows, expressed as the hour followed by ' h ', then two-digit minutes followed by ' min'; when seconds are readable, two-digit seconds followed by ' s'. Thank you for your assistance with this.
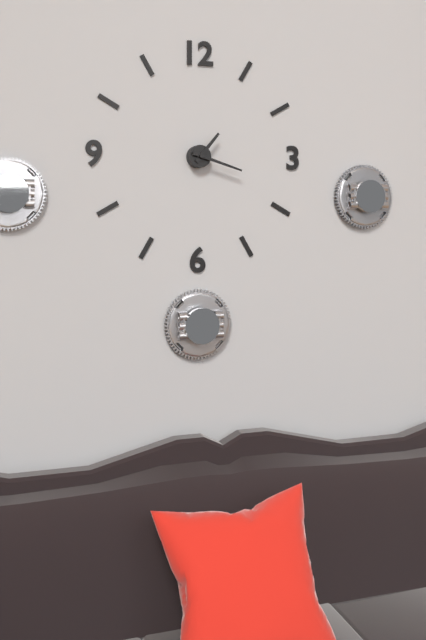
1 h 18 min
